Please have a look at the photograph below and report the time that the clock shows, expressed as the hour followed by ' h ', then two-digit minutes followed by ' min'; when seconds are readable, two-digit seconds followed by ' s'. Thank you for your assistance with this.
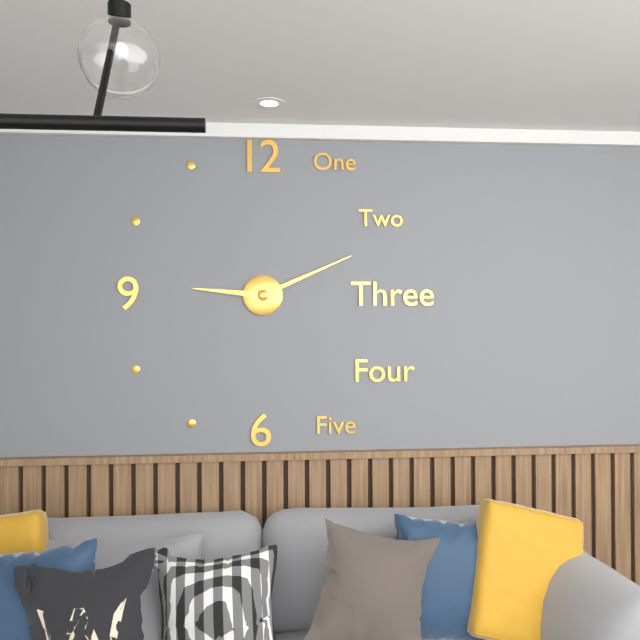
9 h 11 min
